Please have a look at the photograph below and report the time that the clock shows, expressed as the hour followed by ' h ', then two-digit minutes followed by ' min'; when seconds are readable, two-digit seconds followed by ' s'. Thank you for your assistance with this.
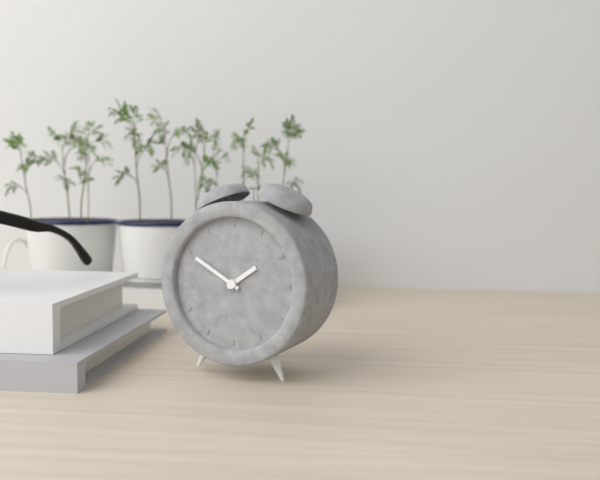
1 h 50 min
